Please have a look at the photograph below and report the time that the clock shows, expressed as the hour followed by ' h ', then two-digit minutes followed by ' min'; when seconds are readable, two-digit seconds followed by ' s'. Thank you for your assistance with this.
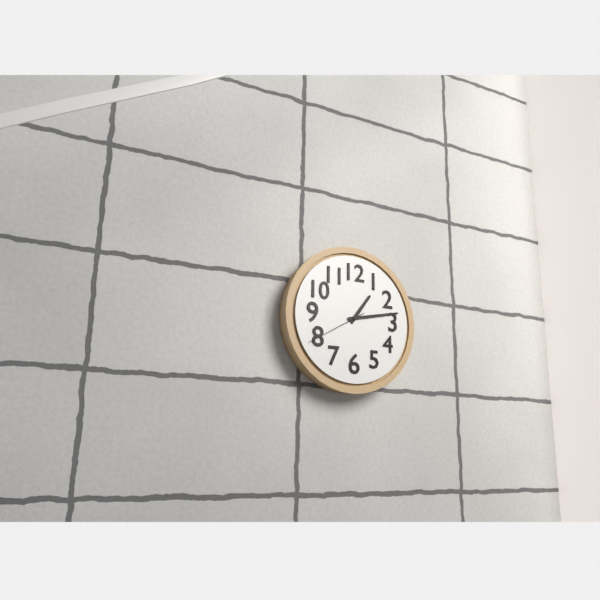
1 h 13 min 40 s
